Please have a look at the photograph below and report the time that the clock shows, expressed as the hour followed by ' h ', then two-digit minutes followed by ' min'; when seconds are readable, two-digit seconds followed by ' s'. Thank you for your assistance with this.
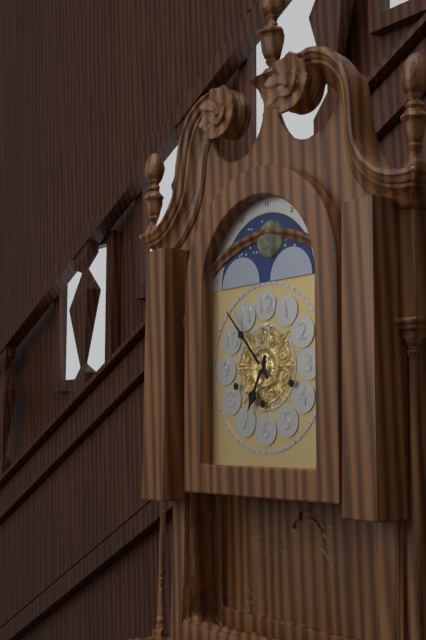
6 h 53 min
